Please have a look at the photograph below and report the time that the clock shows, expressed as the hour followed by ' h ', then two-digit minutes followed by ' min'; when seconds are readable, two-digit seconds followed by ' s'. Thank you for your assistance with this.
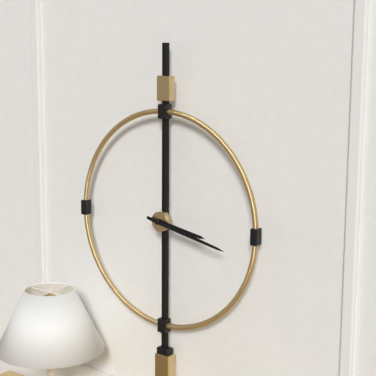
3 h 17 min
